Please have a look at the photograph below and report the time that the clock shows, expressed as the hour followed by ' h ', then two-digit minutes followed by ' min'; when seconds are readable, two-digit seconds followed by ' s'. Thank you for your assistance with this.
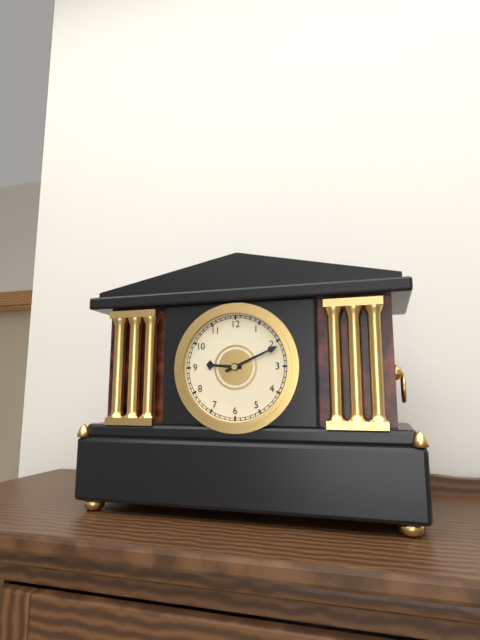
9 h 11 min
